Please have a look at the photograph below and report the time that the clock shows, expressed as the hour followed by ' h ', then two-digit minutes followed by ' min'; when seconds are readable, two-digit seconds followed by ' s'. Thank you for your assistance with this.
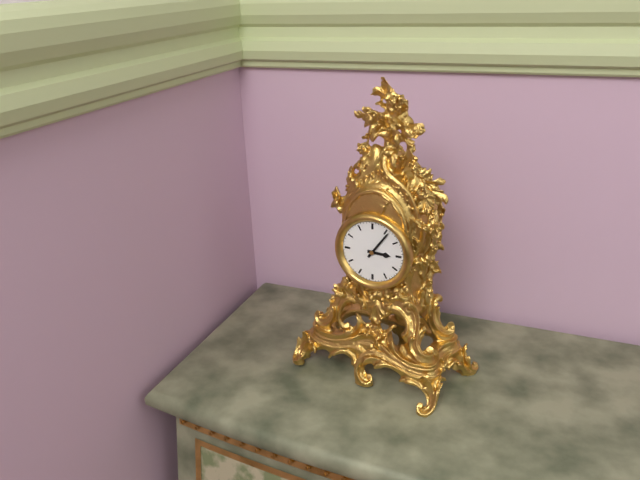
3 h 06 min
